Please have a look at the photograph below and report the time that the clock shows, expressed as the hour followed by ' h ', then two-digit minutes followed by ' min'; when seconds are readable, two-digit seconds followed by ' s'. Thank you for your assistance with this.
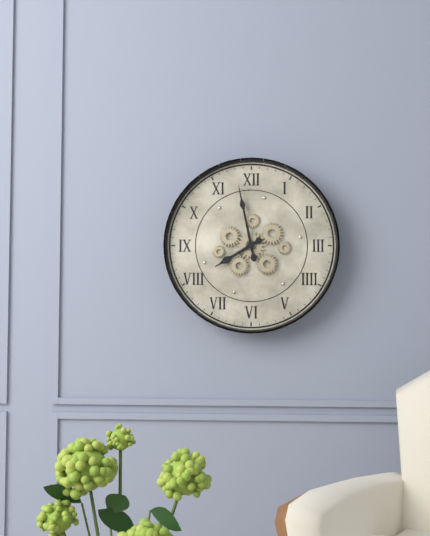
7 h 58 min
